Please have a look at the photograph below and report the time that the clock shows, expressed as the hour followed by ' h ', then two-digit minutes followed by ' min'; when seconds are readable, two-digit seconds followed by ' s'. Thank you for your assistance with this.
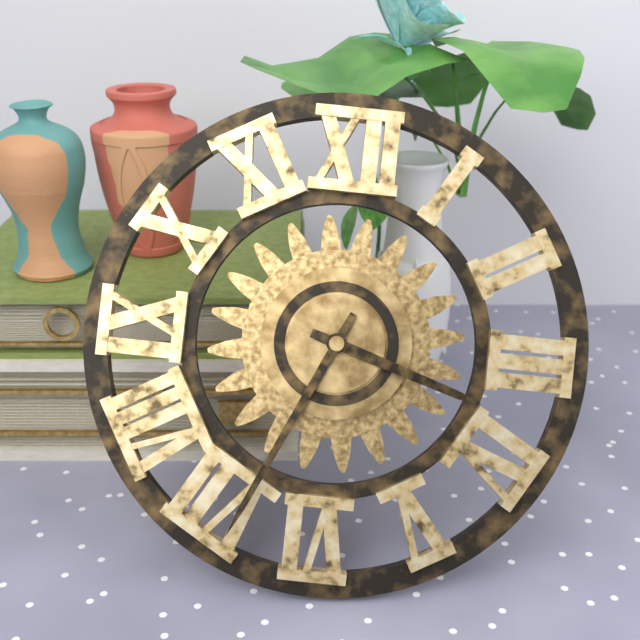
3 h 34 min
